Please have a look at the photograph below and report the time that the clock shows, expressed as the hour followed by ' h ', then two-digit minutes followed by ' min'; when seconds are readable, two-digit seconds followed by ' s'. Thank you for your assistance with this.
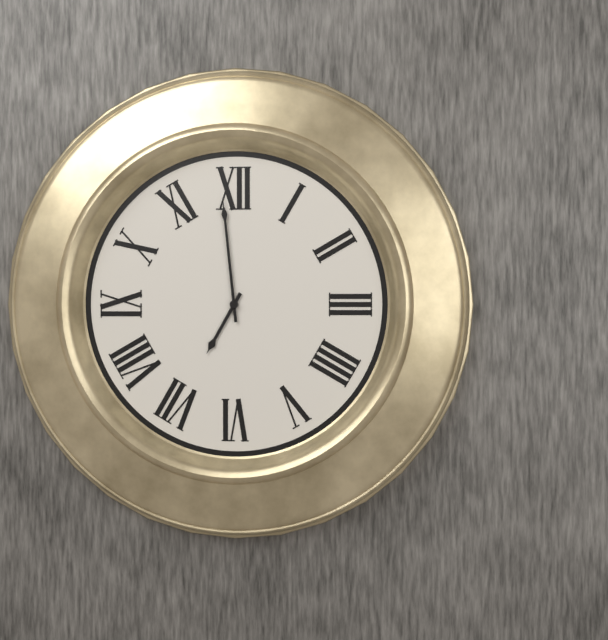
6 h 59 min
